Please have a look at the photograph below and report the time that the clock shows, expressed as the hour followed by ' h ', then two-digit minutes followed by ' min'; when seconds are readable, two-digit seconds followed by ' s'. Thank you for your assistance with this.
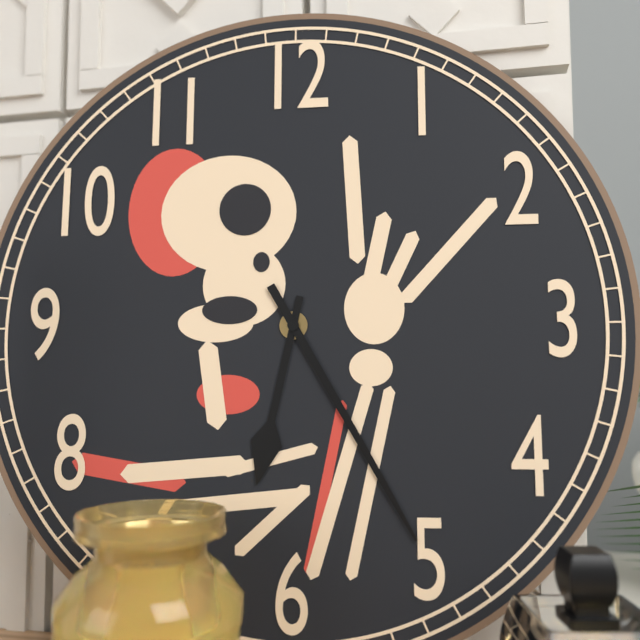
6 h 25 min
